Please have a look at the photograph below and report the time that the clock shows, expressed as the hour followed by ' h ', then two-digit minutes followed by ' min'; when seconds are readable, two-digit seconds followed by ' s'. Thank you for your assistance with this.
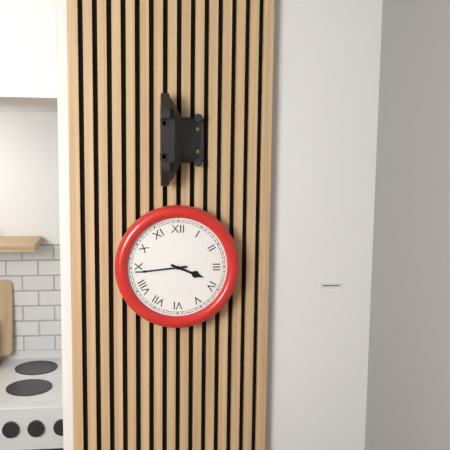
3 h 44 min
